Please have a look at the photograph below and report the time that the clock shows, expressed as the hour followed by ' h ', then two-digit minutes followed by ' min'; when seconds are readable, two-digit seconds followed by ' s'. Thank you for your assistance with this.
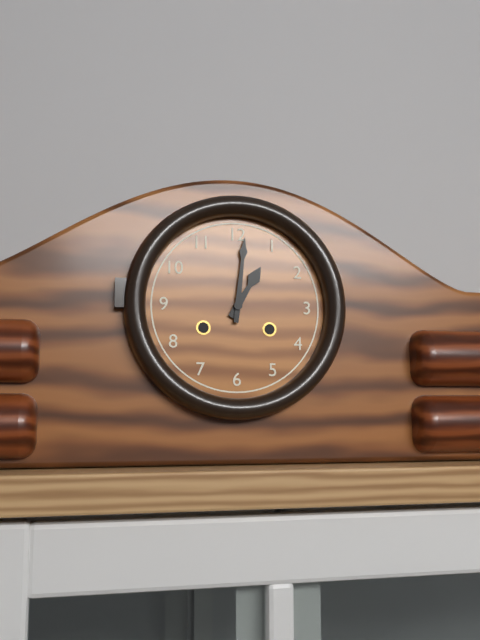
1 h 01 min
